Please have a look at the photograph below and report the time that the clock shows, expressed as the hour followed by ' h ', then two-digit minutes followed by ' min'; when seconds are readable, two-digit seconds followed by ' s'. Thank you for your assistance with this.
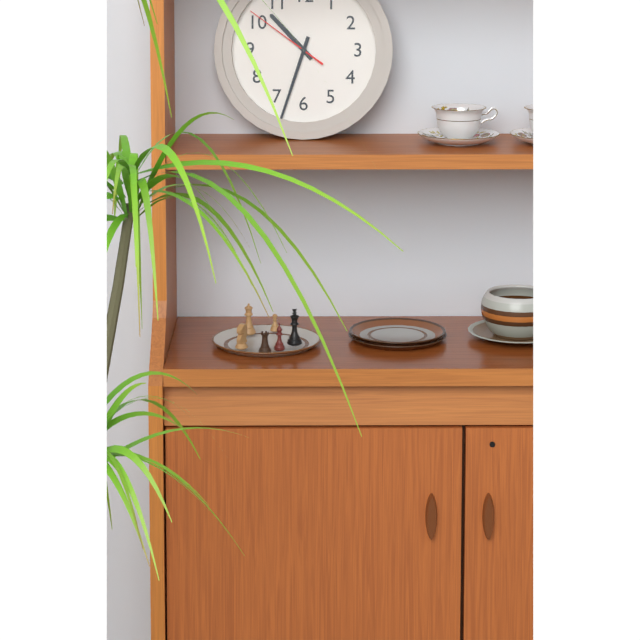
10 h 33 min 51 s
